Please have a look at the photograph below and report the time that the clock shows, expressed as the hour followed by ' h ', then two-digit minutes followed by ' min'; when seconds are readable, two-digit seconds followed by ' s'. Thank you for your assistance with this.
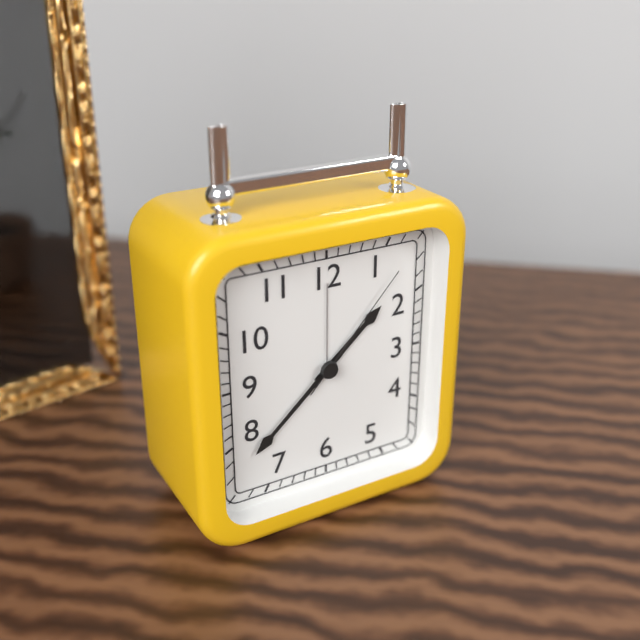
1 h 38 min 07 s
